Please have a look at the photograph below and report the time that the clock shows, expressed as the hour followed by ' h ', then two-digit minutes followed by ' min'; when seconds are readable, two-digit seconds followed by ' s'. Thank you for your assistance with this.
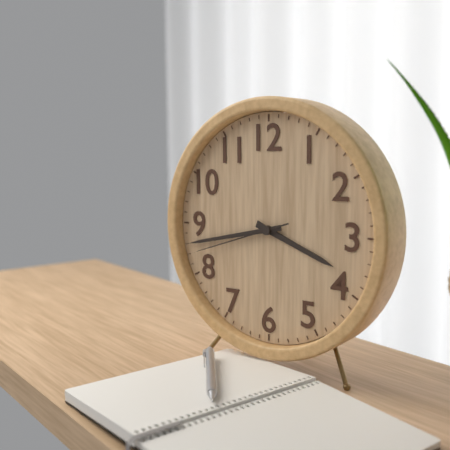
3 h 43 min 42 s
